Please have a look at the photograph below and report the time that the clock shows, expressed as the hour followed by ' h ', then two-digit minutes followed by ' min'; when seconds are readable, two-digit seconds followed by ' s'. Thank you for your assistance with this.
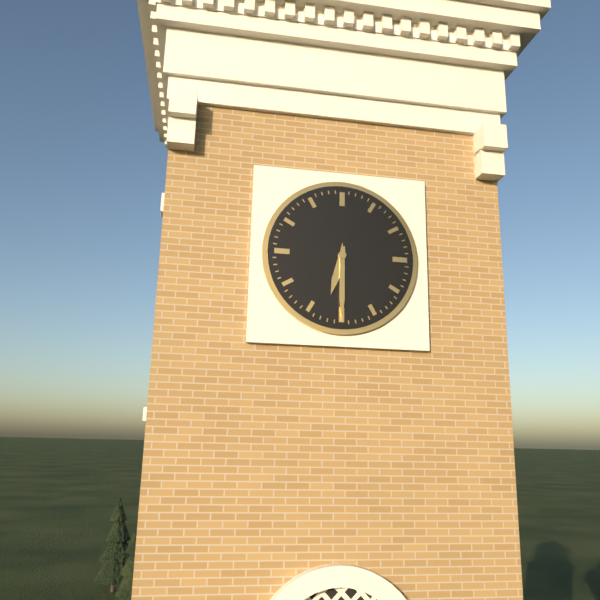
6 h 30 min
